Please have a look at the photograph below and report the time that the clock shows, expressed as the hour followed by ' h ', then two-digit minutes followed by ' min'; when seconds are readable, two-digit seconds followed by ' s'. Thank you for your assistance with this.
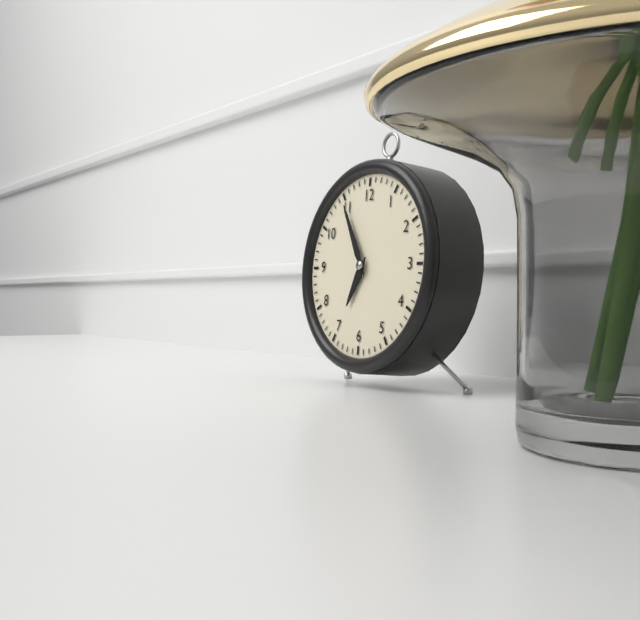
6 h 55 min
